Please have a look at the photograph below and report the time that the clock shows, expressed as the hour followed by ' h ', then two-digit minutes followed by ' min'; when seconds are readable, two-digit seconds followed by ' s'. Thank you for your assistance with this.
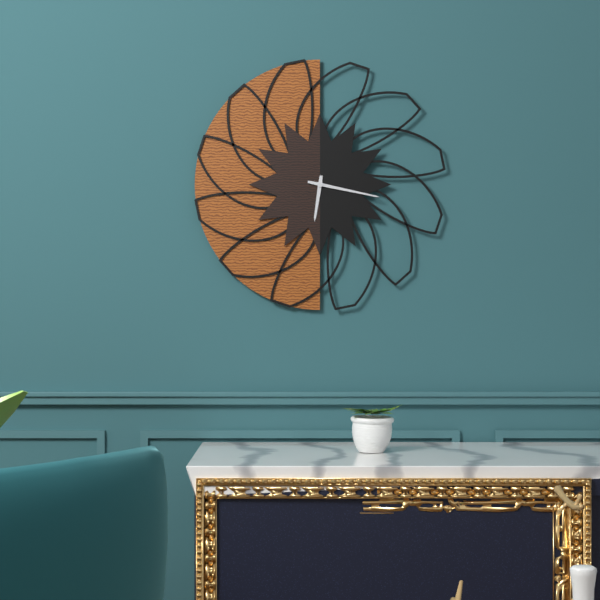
6 h 17 min
